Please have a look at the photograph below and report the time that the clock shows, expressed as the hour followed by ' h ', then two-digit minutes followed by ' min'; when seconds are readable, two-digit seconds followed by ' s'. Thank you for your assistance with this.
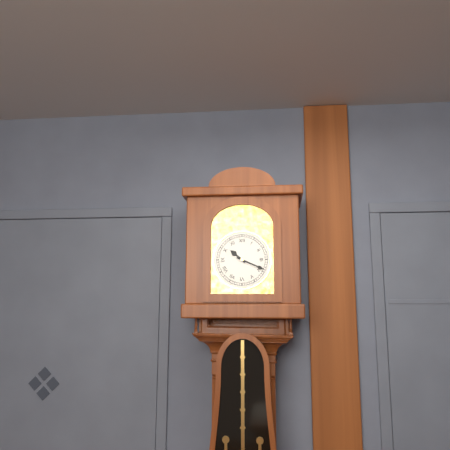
10 h 19 min
